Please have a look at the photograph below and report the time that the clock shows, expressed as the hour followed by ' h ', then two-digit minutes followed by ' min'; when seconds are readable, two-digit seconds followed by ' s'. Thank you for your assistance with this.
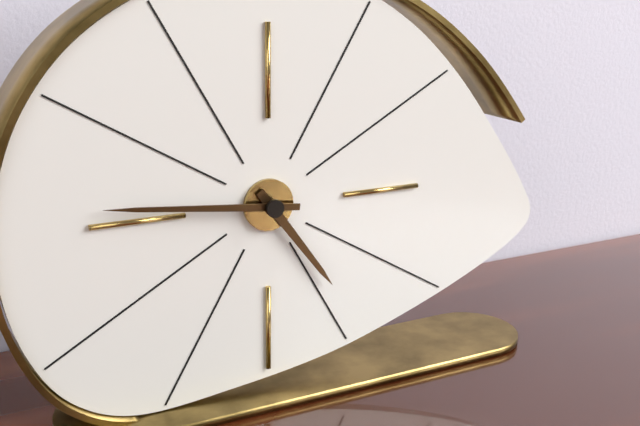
4 h 46 min
